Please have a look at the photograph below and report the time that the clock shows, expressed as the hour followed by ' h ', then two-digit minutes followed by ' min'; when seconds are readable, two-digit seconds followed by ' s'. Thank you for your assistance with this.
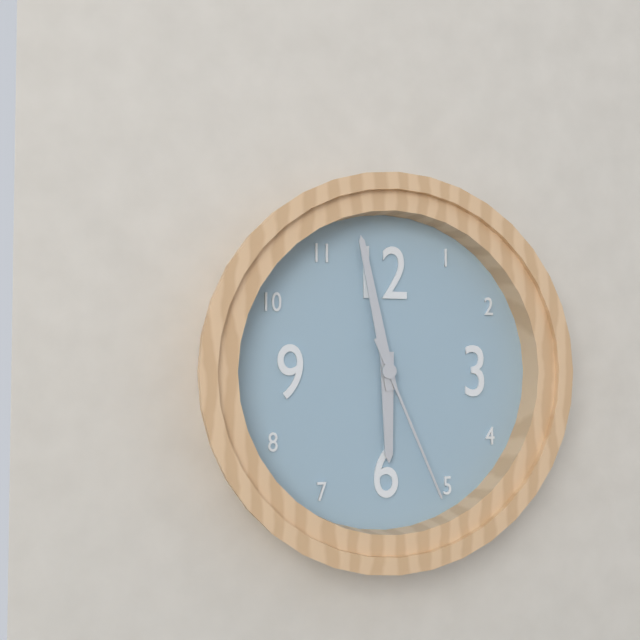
5 h 58 min 26 s
